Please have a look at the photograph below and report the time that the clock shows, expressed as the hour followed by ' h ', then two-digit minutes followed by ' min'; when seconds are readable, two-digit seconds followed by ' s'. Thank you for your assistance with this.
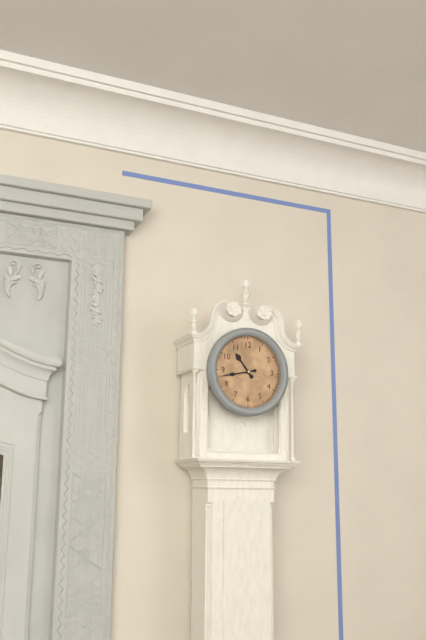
10 h 43 min
